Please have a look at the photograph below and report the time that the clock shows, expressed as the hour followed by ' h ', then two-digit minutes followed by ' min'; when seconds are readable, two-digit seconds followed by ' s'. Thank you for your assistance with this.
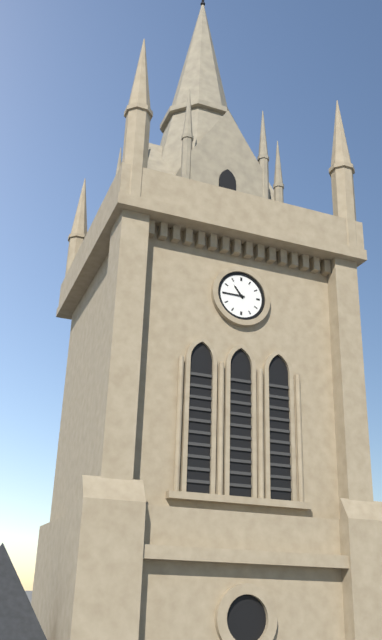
10 h 45 min
